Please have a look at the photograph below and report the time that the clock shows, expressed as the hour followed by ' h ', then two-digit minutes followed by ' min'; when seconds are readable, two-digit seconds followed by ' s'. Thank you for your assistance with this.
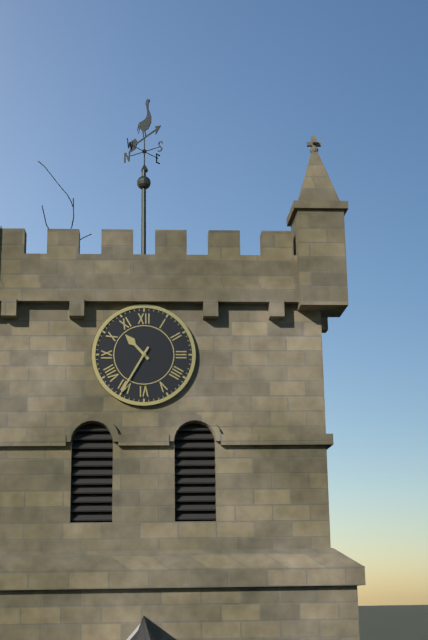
10 h 35 min
